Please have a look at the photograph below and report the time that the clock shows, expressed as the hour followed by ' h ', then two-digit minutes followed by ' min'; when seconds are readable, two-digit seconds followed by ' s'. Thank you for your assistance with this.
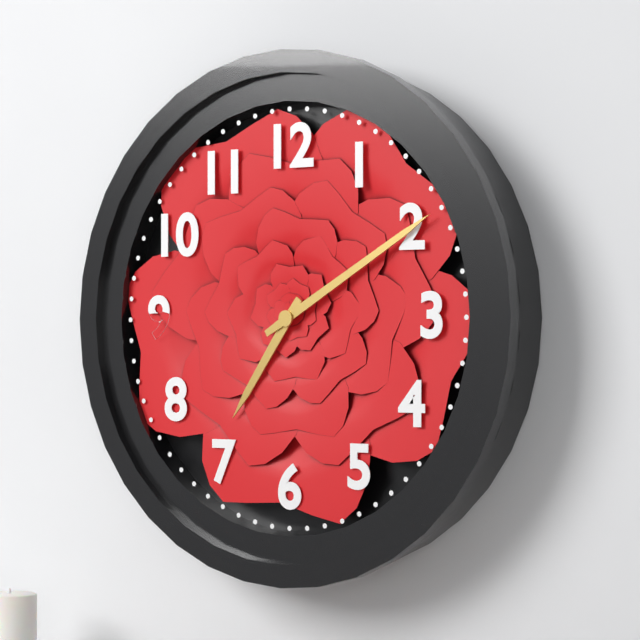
7 h 10 min
